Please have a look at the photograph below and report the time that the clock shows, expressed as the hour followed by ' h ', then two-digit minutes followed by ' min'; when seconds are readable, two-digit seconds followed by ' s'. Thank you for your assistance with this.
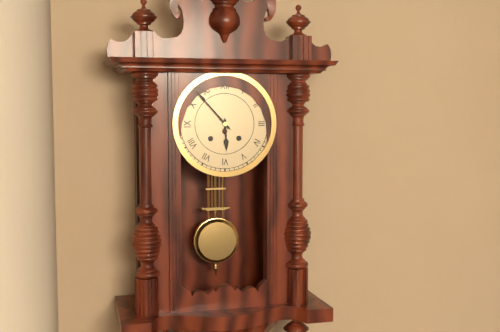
5 h 53 min
